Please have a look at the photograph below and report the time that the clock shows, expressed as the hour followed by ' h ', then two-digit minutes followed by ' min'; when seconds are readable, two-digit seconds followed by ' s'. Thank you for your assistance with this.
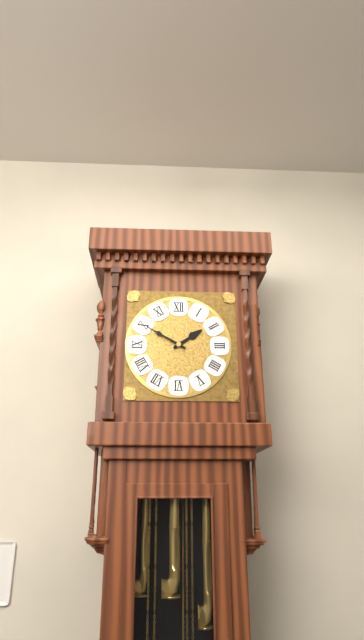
1 h 50 min
